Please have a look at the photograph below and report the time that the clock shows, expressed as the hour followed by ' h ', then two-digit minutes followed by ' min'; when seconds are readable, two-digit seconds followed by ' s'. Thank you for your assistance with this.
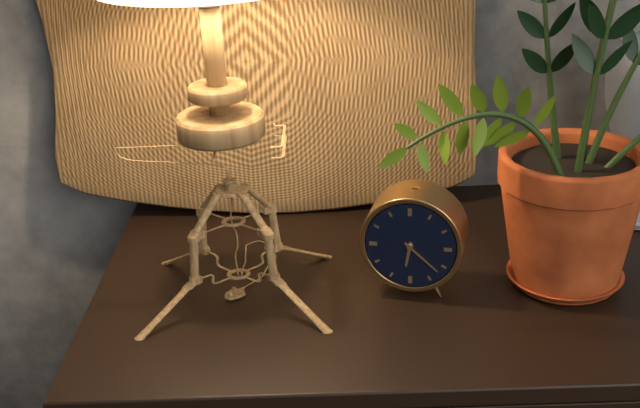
6 h 22 min
